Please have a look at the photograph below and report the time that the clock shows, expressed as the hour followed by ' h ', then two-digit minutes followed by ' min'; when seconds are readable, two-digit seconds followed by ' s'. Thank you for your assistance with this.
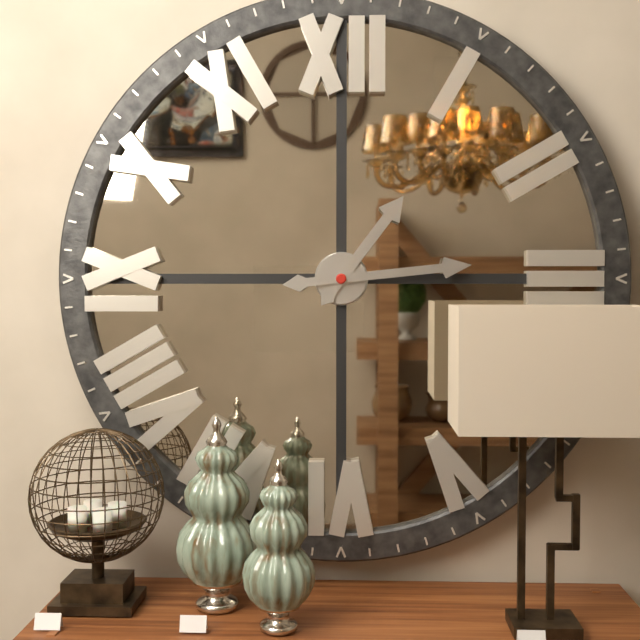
1 h 14 min
